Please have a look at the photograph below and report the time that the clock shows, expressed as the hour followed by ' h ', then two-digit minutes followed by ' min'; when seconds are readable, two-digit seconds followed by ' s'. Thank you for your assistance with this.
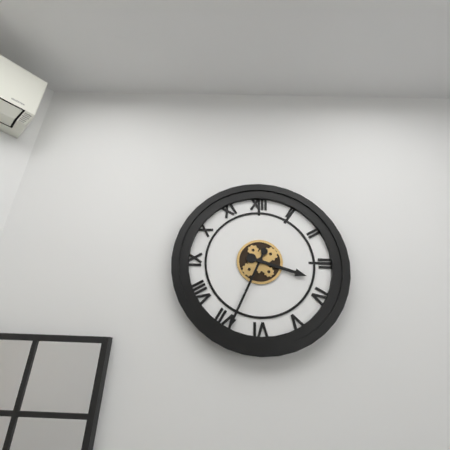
3 h 34 min
